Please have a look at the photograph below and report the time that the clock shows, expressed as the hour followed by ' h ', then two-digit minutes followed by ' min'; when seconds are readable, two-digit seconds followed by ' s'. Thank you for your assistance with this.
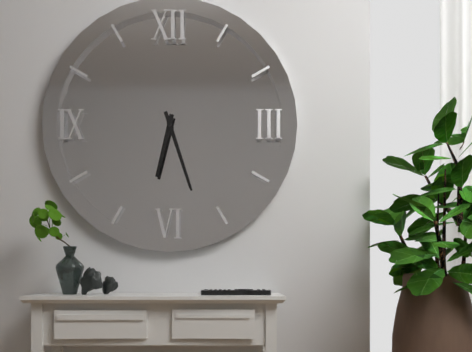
6 h 27 min
